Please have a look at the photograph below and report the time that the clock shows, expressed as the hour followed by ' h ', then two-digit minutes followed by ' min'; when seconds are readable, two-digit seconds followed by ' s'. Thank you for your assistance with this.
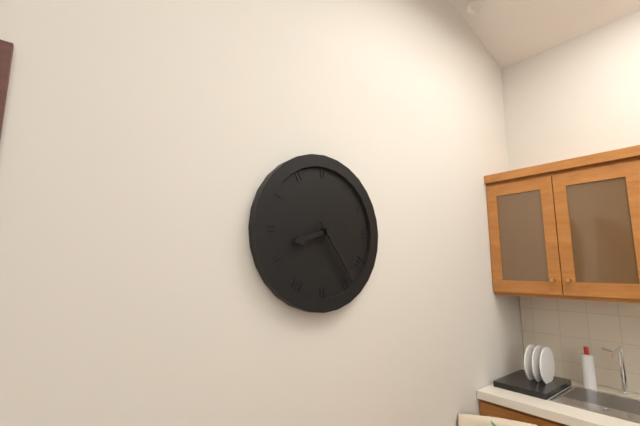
8 h 24 min
